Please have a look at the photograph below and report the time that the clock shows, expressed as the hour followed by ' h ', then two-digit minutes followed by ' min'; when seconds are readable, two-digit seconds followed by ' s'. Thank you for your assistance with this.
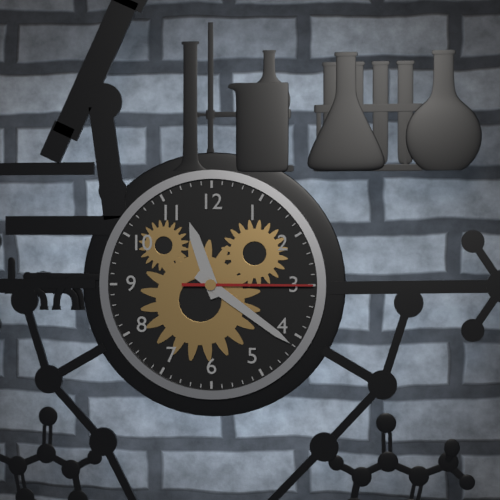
11 h 21 min 15 s
